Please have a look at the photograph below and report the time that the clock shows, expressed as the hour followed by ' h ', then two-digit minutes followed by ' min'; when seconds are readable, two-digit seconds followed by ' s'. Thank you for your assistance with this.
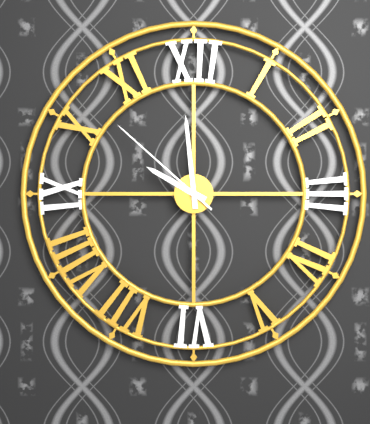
9 h 59 min 52 s
